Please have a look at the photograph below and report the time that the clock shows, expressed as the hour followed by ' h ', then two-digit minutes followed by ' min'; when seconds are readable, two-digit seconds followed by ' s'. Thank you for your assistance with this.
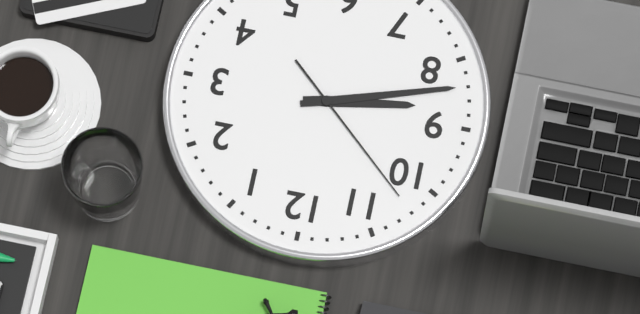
8 h 42 min 52 s
